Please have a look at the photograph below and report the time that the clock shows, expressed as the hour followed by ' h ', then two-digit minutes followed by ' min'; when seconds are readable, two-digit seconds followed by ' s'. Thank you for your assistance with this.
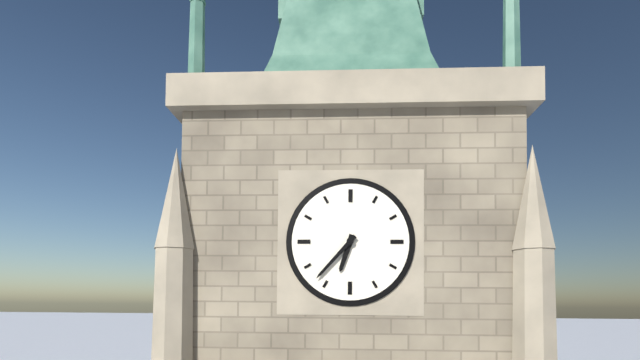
6 h 37 min
